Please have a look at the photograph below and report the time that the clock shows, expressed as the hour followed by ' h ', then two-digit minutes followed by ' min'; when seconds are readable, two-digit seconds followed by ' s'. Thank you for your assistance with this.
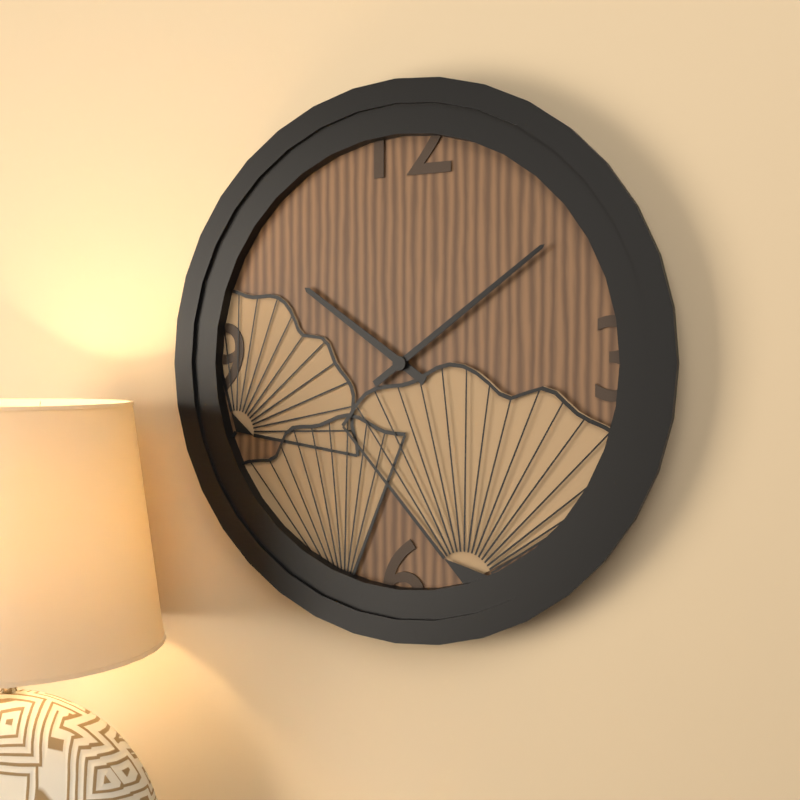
10 h 09 min
